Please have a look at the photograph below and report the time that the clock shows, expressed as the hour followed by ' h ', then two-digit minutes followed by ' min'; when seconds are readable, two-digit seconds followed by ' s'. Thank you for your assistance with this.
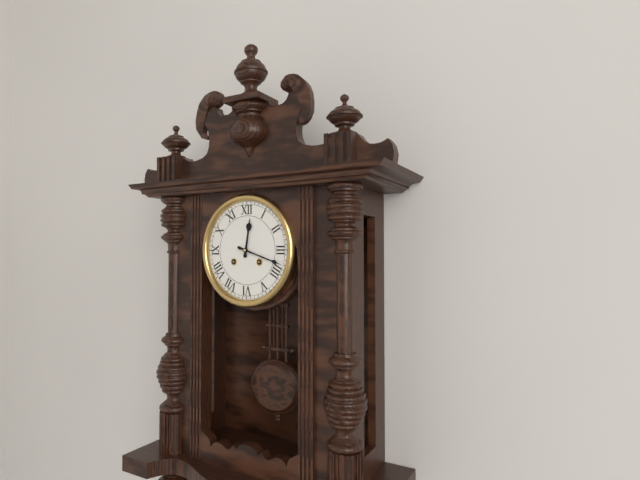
12 h 18 min
